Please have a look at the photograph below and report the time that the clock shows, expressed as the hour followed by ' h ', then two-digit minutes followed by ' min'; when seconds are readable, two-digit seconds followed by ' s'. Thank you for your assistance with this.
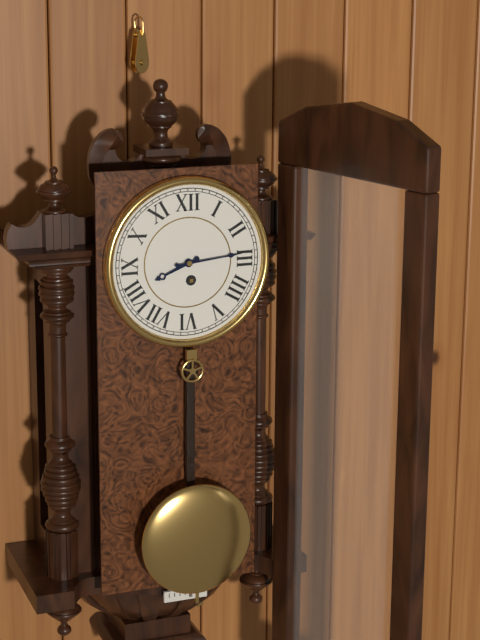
8 h 14 min
